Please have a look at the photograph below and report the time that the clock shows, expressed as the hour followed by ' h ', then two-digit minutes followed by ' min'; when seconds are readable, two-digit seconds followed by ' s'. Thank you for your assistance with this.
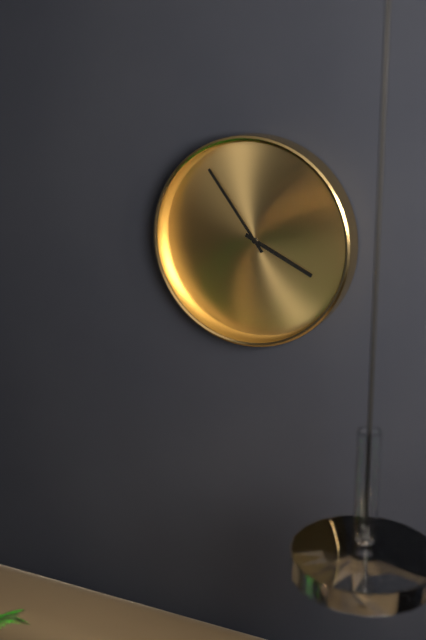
3 h 54 min
